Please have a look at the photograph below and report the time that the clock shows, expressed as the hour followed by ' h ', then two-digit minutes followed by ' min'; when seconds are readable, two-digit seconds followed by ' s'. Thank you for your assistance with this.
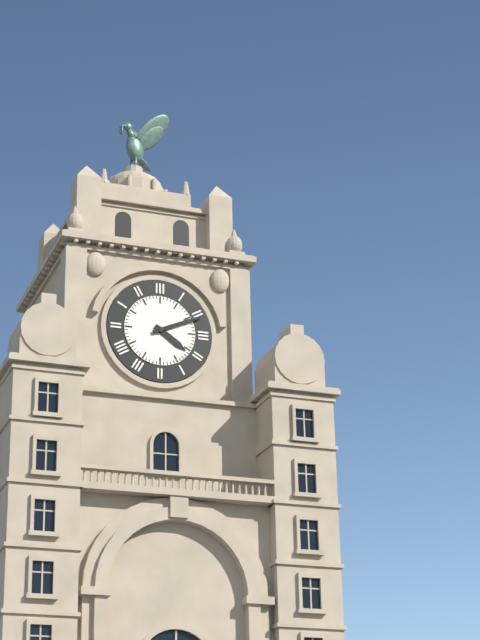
4 h 11 min
